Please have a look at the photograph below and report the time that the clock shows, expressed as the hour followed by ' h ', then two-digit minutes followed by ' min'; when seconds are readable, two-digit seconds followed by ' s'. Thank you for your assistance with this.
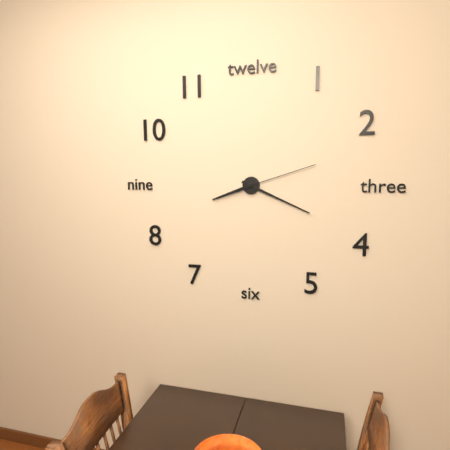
8 h 19 min 12 s
